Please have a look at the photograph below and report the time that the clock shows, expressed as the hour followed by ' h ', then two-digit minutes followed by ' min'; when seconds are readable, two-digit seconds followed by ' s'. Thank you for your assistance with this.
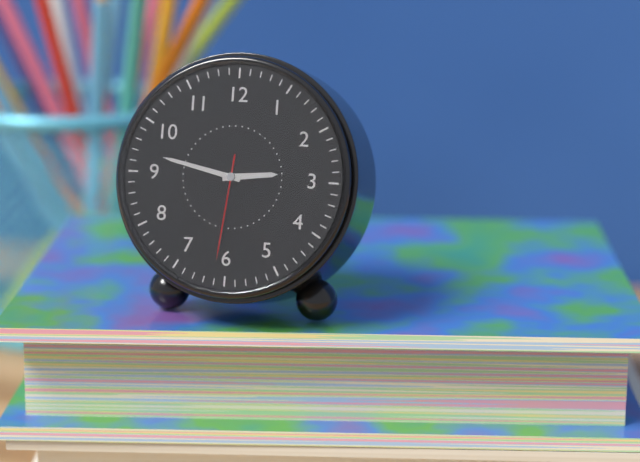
2 h 47 min 31 s
